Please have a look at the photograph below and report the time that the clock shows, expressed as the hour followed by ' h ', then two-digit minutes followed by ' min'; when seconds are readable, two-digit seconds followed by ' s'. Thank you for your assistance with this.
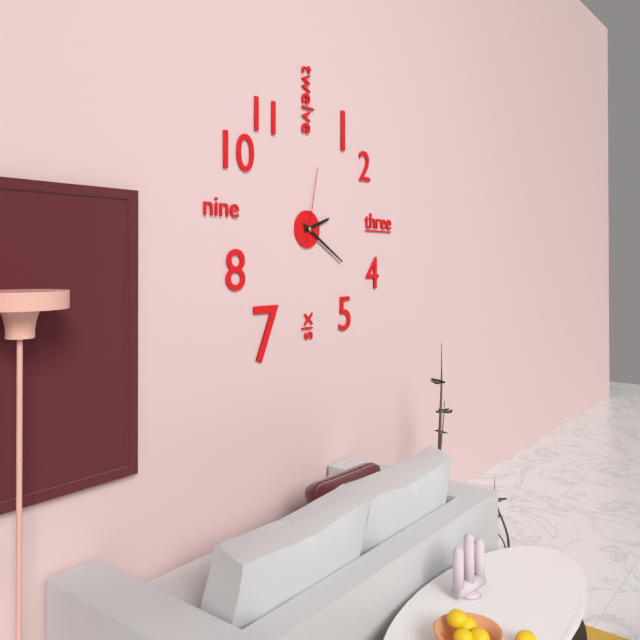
2 h 20 min 02 s
